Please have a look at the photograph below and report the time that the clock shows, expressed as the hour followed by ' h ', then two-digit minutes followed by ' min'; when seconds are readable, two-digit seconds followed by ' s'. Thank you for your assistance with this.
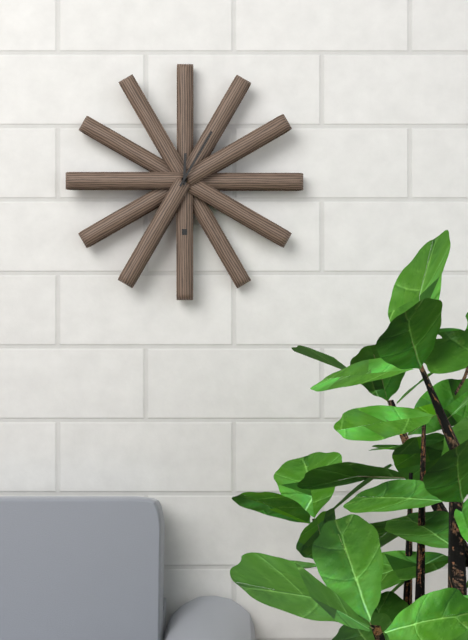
12 h 05 min
